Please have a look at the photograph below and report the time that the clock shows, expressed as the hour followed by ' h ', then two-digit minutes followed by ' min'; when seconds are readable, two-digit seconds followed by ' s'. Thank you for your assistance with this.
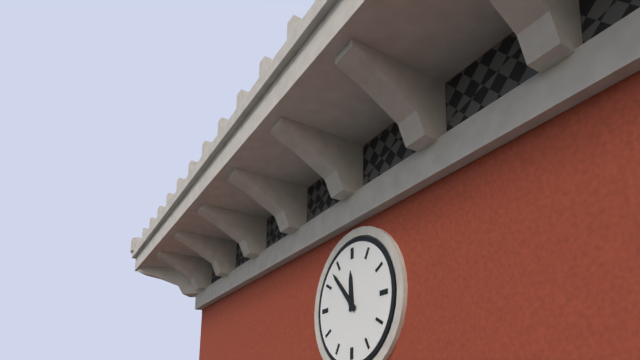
11 h 53 min
